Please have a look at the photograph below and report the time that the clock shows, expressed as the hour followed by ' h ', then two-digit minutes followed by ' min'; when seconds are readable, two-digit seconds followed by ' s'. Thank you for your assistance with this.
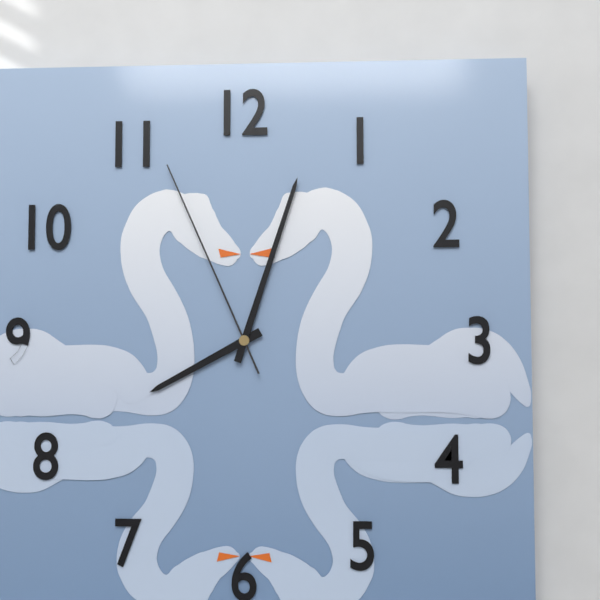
8 h 03 min 56 s
